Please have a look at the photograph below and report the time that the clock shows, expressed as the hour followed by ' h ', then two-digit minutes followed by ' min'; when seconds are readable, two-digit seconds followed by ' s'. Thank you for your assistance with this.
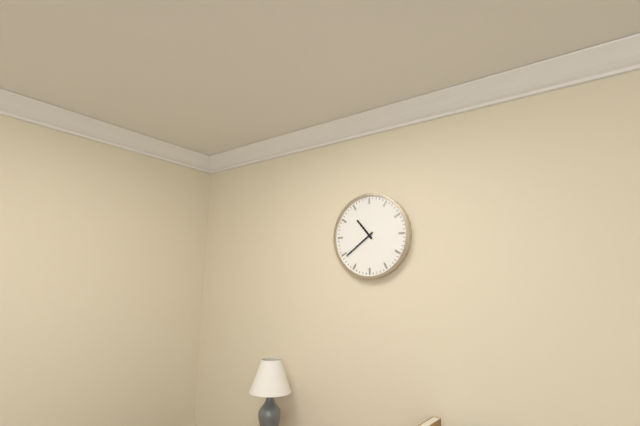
10 h 39 min
